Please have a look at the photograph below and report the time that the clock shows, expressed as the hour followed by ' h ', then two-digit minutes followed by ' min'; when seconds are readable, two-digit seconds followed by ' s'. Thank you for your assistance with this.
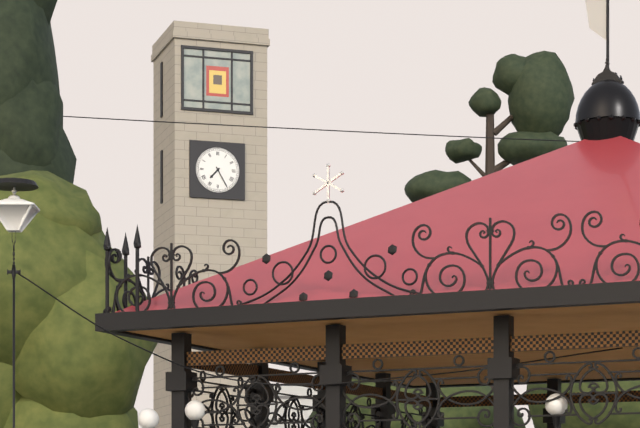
7 h 25 min
